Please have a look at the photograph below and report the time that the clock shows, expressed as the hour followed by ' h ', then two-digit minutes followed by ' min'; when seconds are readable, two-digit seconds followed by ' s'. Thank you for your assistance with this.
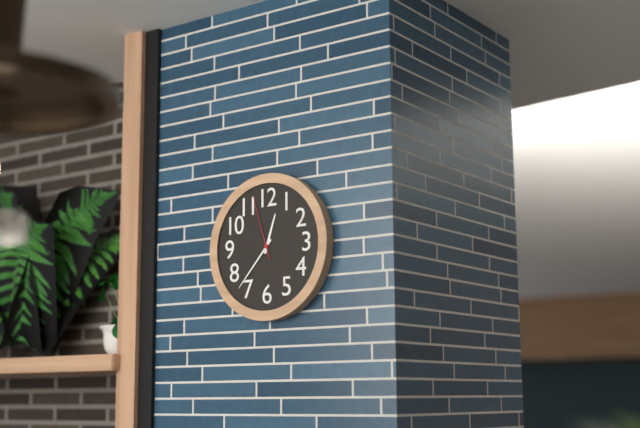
12 h 37 min 57 s
